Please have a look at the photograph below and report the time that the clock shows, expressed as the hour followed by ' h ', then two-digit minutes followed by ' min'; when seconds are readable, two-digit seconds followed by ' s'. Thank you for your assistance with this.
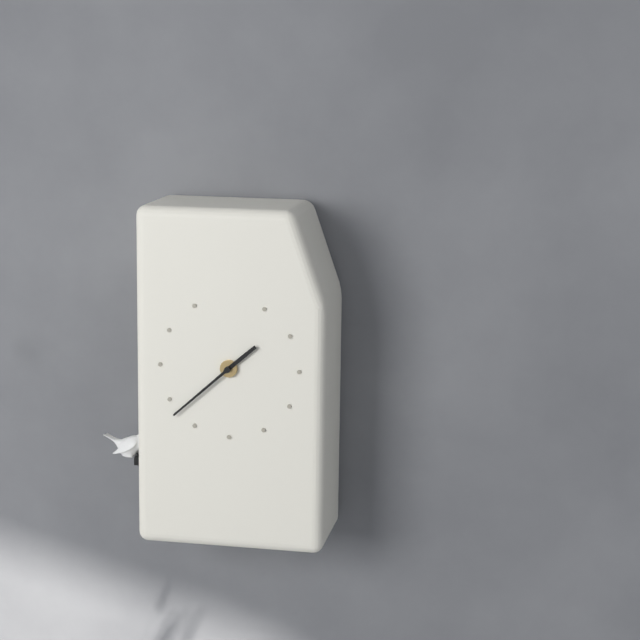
1 h 38 min
